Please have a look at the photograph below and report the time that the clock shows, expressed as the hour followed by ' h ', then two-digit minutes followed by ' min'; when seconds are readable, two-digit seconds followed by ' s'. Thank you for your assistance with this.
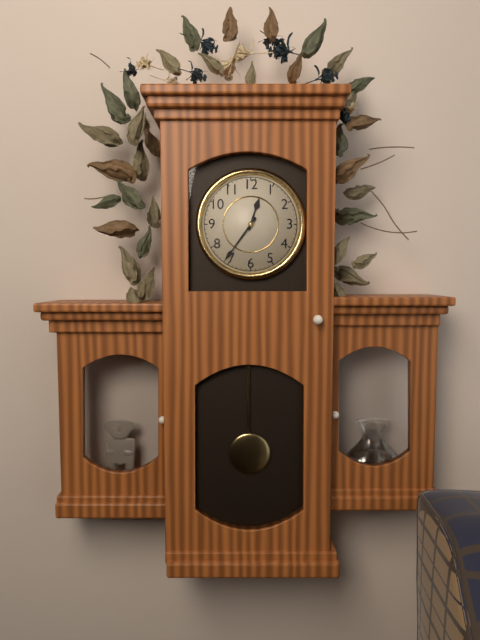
12 h 36 min
